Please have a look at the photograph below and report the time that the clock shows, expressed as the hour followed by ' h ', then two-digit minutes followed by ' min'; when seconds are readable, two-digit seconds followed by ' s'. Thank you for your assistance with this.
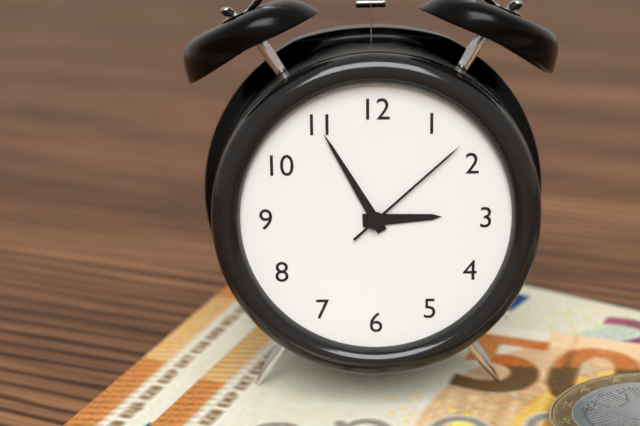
2 h 55 min 08 s
